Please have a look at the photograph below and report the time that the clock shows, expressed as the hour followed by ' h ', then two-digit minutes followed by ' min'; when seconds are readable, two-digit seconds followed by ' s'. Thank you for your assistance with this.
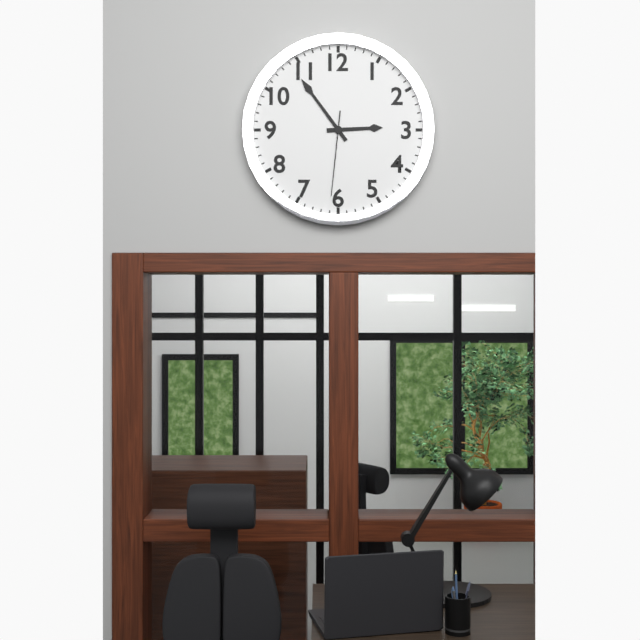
2 h 54 min 31 s
